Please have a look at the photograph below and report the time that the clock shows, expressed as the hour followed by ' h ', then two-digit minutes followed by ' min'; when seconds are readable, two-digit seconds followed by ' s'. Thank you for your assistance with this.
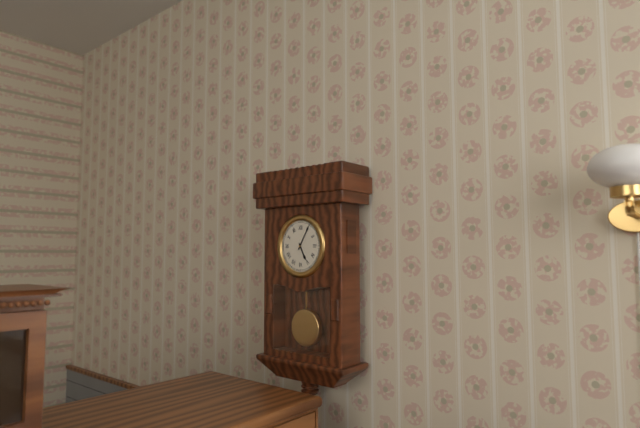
5 h 05 min
